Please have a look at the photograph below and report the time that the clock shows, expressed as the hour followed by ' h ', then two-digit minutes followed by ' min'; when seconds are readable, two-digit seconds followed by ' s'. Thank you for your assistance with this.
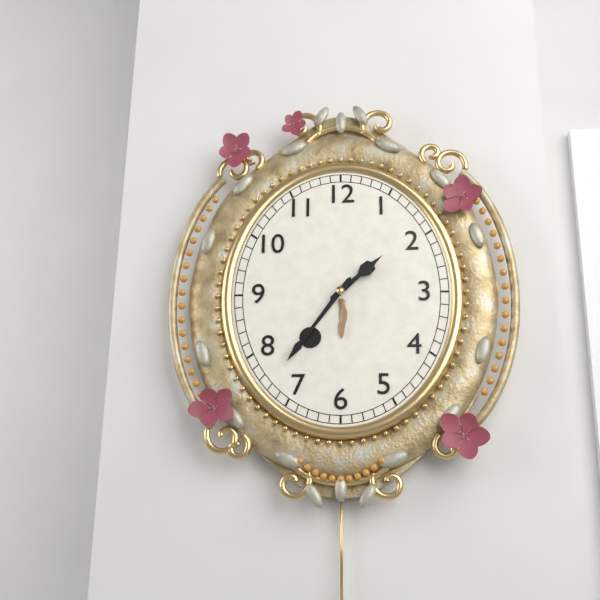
1 h 36 min
